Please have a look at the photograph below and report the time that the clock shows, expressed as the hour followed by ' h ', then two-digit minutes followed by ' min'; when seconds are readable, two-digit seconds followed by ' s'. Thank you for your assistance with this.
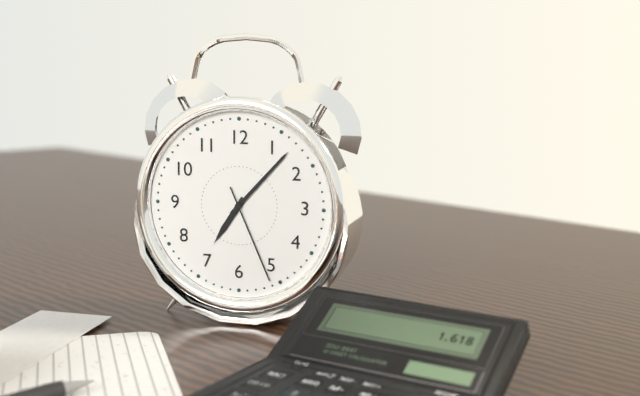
7 h 07 min 26 s
